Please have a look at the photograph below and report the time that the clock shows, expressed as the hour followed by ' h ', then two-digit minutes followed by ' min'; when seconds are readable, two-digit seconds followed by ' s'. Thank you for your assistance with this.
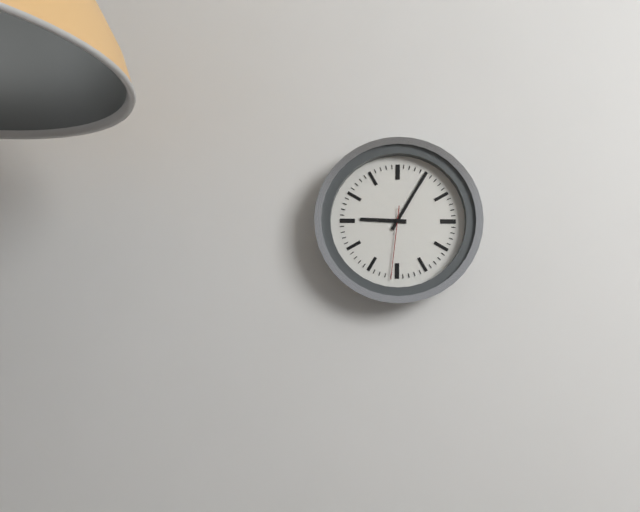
9 h 05 min 31 s
